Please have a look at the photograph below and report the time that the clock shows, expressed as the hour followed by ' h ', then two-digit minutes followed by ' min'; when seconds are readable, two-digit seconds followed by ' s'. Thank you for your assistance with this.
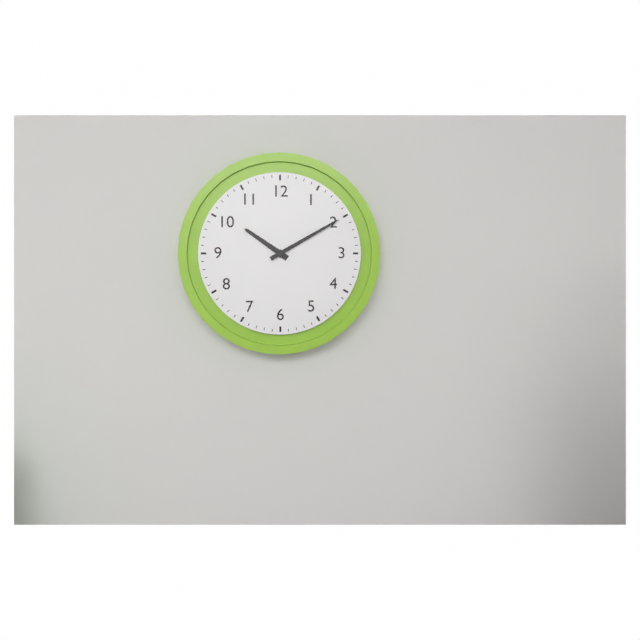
10 h 10 min
